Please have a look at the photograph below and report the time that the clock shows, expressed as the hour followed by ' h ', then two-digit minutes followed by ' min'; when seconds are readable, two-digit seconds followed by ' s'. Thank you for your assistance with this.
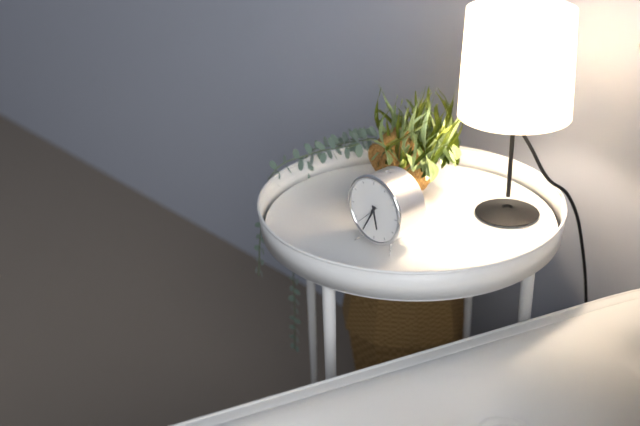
5 h 35 min
